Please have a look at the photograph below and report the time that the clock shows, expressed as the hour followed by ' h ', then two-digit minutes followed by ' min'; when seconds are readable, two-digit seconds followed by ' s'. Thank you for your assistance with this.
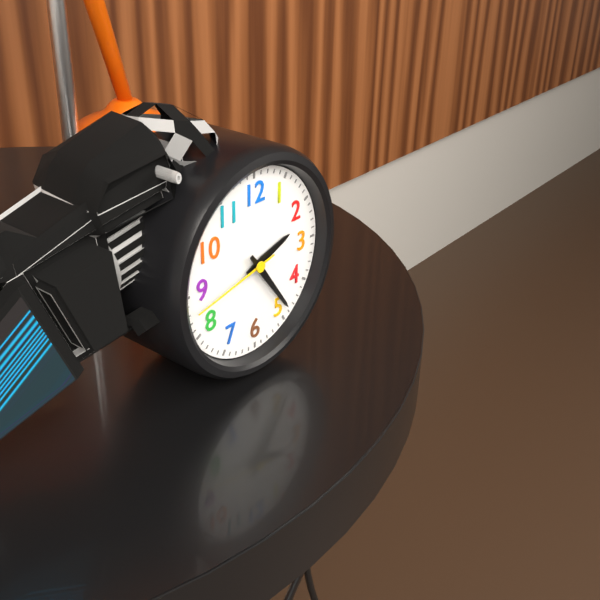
2 h 24 min 43 s
